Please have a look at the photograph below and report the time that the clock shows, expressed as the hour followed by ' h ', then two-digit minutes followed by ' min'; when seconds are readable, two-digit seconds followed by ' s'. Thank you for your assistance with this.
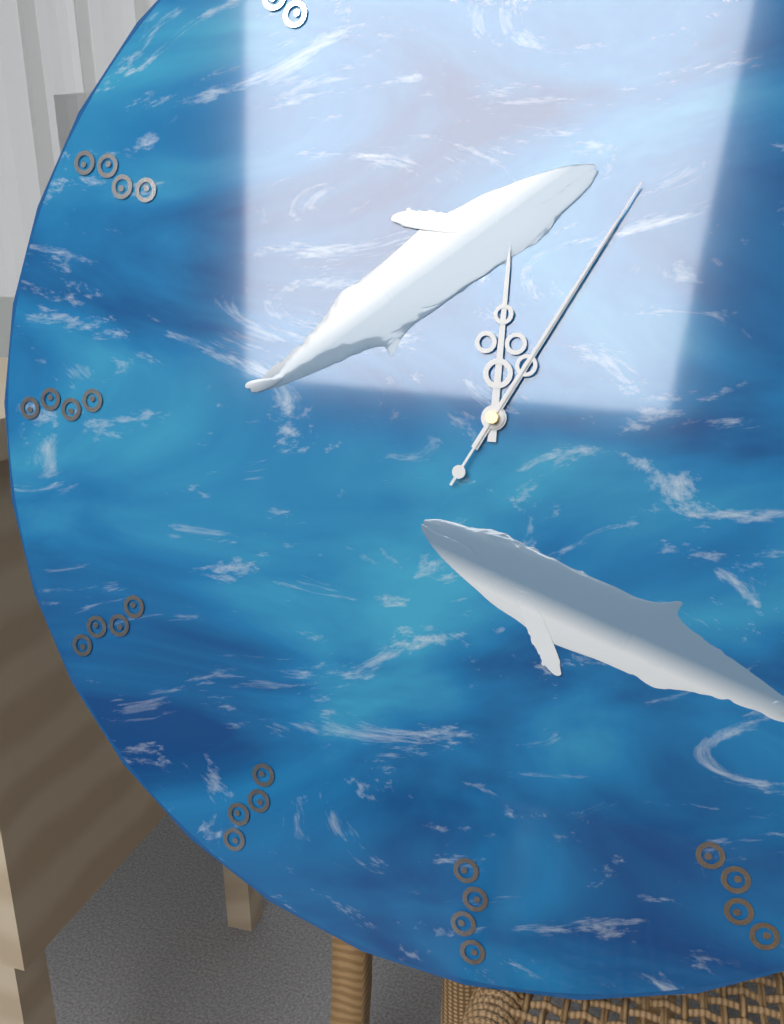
12 h 05 min 05 s
